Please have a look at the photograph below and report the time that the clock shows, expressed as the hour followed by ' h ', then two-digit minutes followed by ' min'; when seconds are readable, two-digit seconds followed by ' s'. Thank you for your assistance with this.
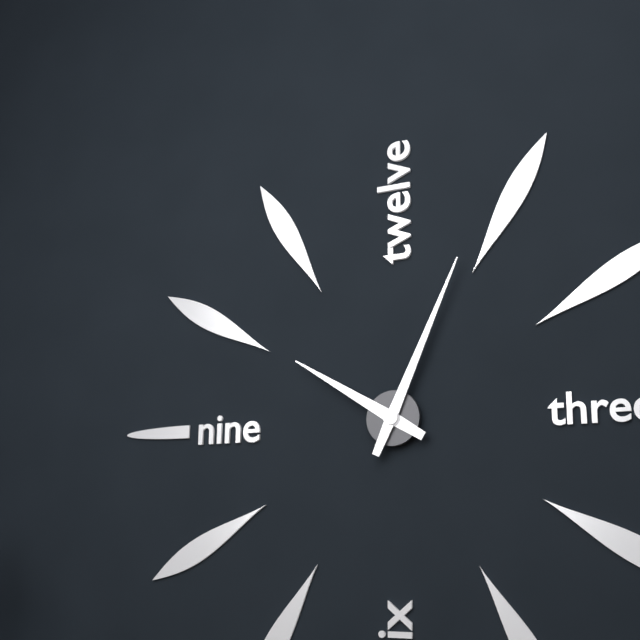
10 h 04 min
